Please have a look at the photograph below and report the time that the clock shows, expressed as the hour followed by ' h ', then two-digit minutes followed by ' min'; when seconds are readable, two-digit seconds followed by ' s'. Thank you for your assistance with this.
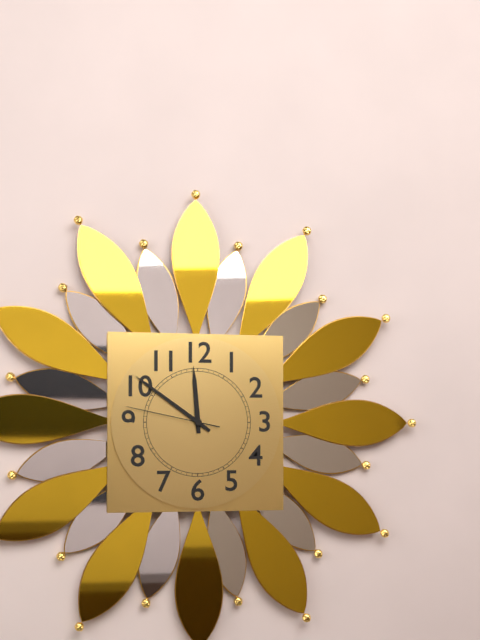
11 h 51 min 47 s
